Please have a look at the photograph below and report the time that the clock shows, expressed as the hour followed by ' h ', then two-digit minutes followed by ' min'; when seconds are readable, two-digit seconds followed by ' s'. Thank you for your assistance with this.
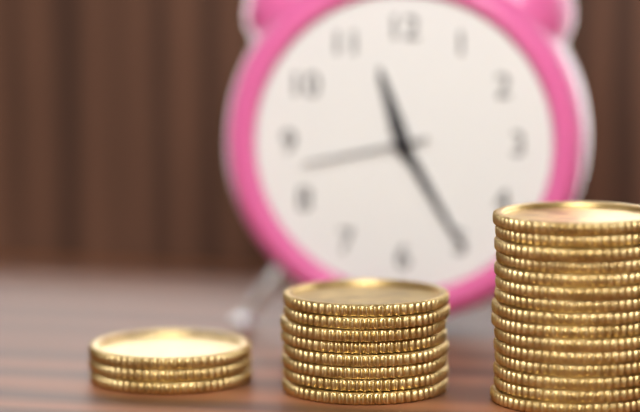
11 h 25 min 43 s
